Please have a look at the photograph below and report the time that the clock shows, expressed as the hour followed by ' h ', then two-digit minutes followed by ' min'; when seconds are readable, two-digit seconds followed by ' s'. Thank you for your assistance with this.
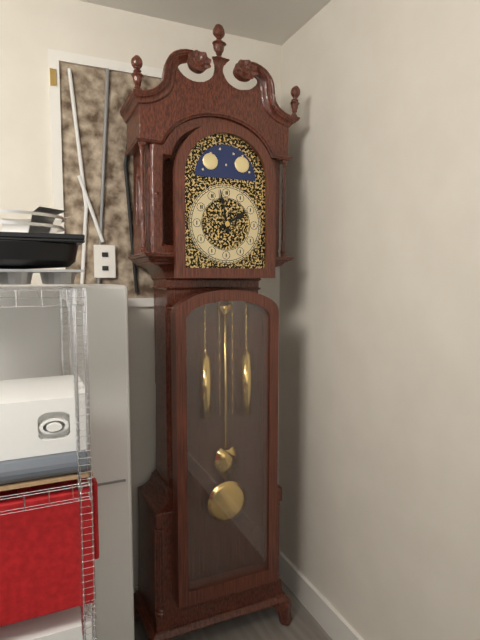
1 h 58 min
